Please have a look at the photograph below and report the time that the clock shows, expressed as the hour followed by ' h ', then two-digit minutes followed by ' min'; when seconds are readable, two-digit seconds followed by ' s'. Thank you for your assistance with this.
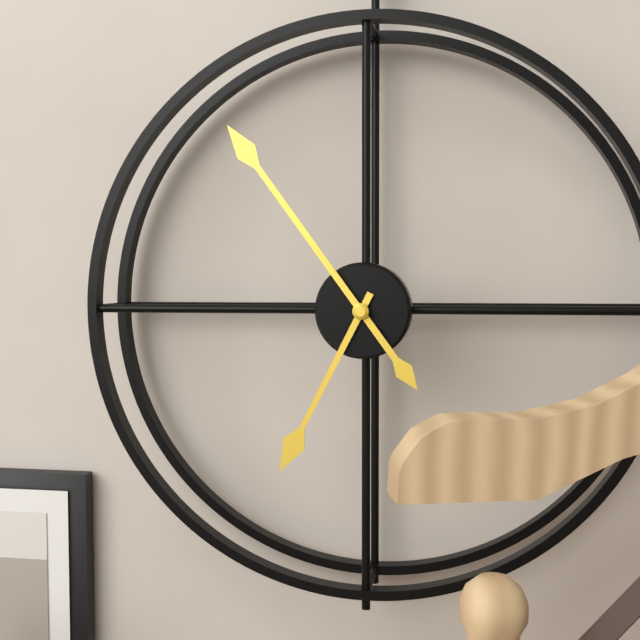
6 h 54 min
